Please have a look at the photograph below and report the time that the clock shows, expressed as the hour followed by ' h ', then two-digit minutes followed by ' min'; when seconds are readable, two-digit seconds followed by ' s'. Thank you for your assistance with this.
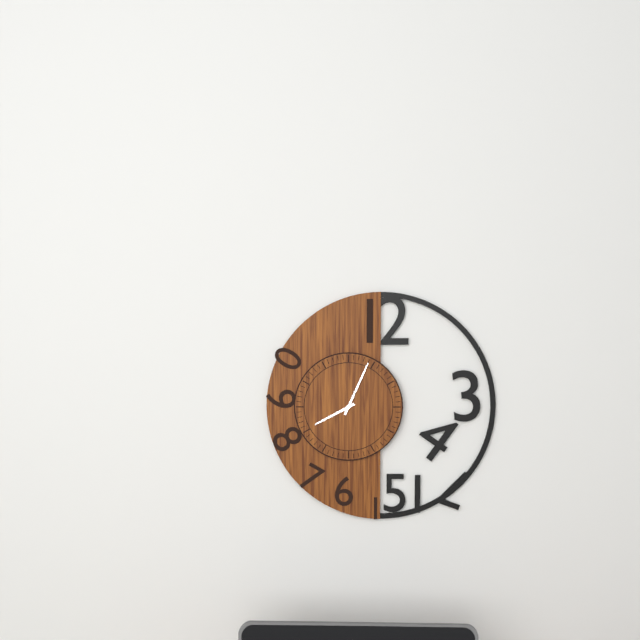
8 h 04 min
